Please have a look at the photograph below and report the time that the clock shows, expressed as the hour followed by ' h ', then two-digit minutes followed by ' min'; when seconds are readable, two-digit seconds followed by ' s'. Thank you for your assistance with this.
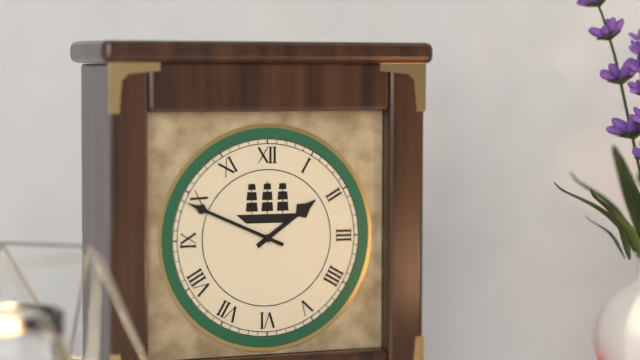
1 h 49 min
